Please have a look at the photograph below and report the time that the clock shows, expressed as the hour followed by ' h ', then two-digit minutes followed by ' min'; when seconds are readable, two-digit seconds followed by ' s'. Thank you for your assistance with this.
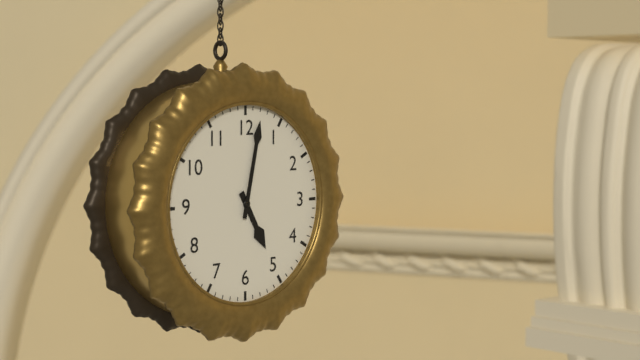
5 h 02 min
